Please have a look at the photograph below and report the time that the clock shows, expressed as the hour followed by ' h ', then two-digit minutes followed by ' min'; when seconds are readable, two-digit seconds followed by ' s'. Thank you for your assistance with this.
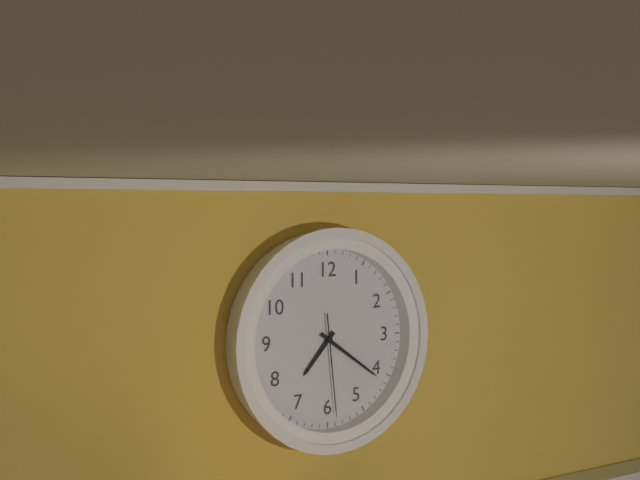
7 h 21 min 29 s
